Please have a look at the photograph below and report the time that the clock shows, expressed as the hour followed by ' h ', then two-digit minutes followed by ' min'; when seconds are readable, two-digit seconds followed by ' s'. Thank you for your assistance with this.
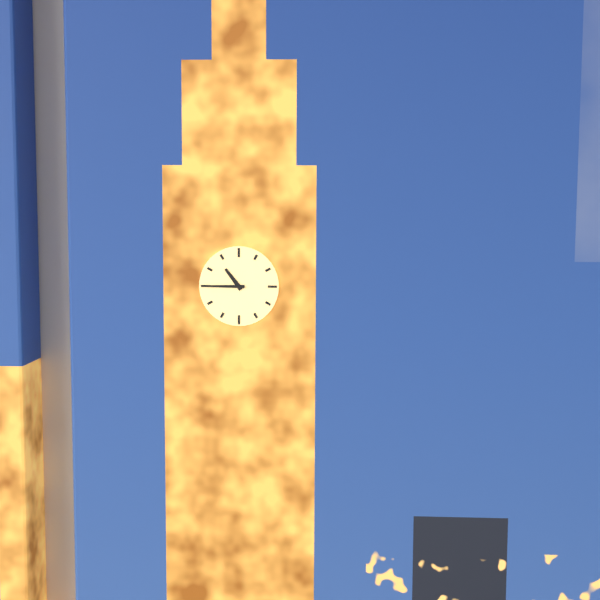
10 h 45 min
